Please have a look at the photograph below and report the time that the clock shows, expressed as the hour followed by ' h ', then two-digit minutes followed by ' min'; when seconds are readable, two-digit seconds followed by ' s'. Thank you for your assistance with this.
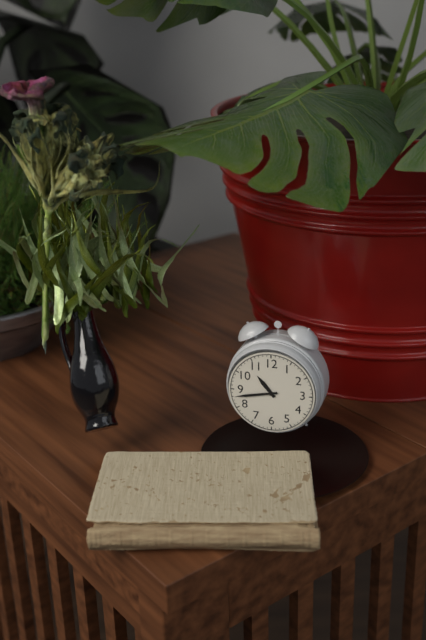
10 h 43 min
